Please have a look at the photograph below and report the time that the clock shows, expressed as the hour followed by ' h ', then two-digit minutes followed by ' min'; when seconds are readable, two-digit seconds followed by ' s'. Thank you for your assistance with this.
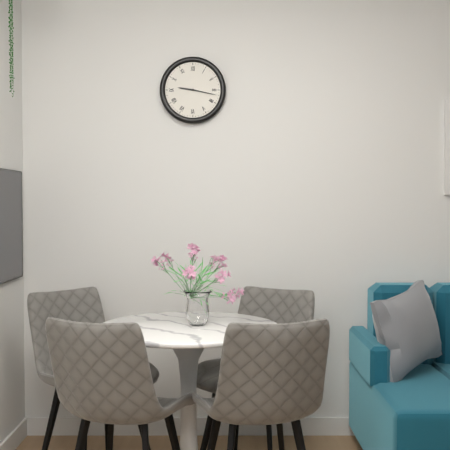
9 h 17 min
